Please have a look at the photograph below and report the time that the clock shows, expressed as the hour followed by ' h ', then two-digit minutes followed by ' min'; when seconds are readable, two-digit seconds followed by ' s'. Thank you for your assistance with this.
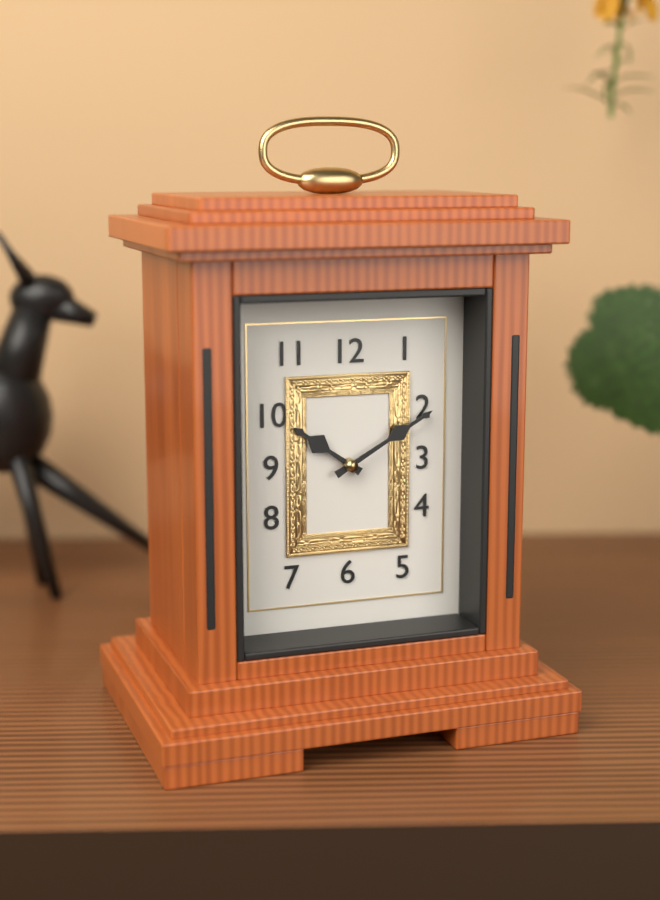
10 h 10 min
